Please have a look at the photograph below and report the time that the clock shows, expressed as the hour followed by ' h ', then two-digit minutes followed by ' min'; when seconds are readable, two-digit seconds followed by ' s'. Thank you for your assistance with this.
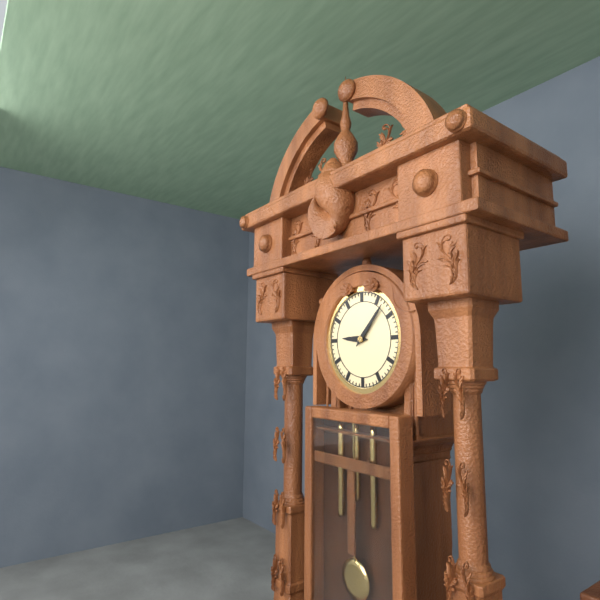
9 h 07 min
